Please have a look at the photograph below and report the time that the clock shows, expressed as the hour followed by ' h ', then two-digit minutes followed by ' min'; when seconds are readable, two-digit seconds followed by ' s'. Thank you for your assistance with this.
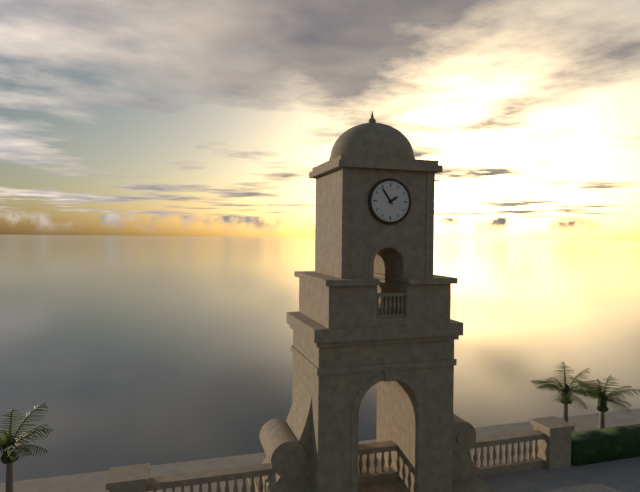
1 h 54 min
